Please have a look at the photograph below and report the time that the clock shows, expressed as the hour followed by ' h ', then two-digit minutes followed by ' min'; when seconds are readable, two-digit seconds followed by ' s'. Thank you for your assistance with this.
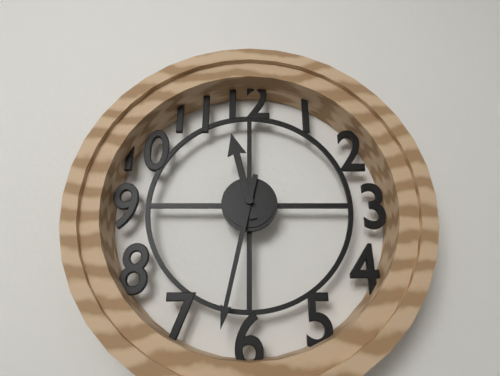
11 h 32 min
